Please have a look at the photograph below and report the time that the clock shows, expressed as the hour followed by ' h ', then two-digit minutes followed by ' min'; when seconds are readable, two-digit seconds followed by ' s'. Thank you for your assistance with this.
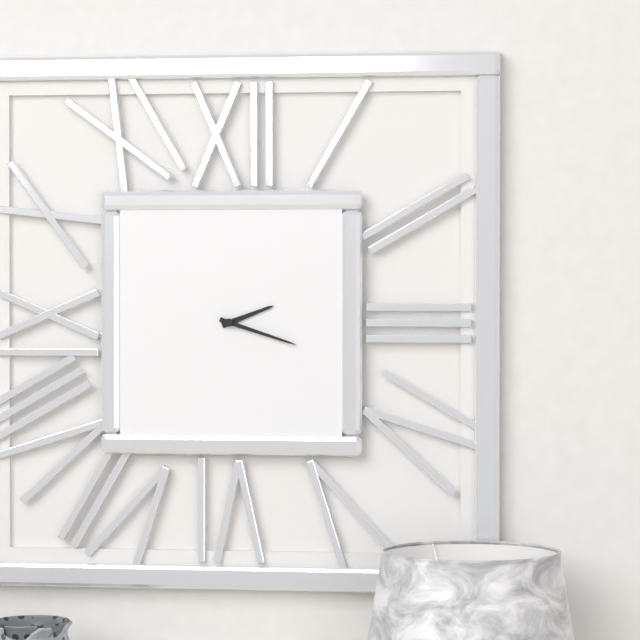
2 h 18 min
